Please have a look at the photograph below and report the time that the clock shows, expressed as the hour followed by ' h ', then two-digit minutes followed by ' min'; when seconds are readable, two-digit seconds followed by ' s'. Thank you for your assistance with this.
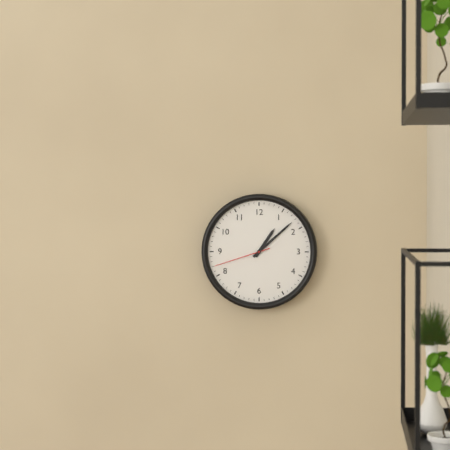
1 h 08 min 42 s
